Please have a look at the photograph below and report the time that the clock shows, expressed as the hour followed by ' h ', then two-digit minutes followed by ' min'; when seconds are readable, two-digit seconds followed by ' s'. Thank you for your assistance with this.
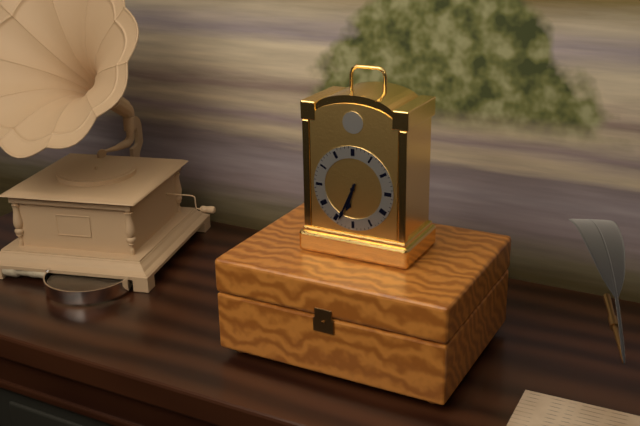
6 h 34 min
